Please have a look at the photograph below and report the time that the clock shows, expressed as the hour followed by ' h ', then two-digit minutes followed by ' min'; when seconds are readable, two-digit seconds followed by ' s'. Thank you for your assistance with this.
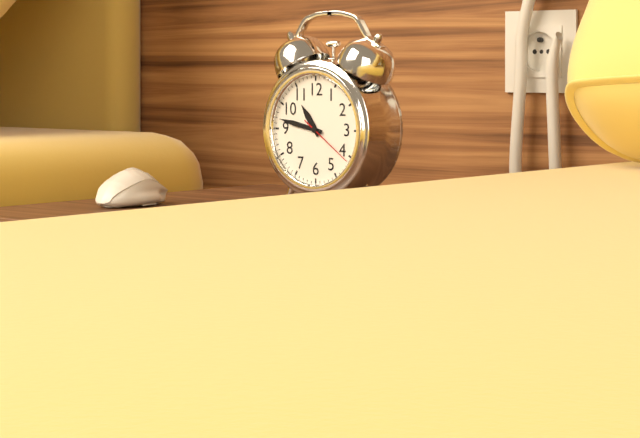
10 h 47 min 21 s
